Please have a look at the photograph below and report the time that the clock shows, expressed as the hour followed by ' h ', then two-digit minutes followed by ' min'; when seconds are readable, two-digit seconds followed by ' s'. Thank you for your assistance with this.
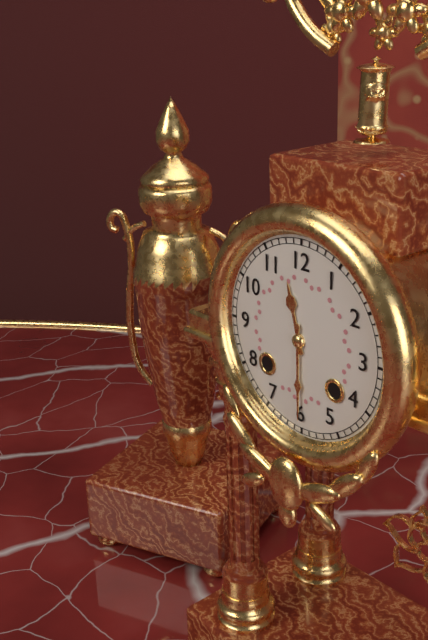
11 h 30 min
